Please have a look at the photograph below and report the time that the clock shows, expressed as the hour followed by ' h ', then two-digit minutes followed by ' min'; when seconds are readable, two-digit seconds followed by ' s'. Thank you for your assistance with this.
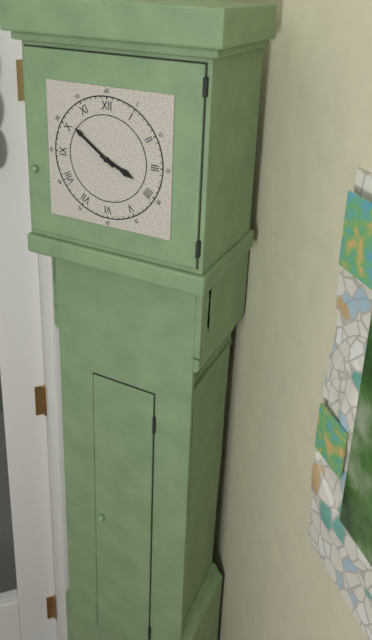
3 h 51 min
